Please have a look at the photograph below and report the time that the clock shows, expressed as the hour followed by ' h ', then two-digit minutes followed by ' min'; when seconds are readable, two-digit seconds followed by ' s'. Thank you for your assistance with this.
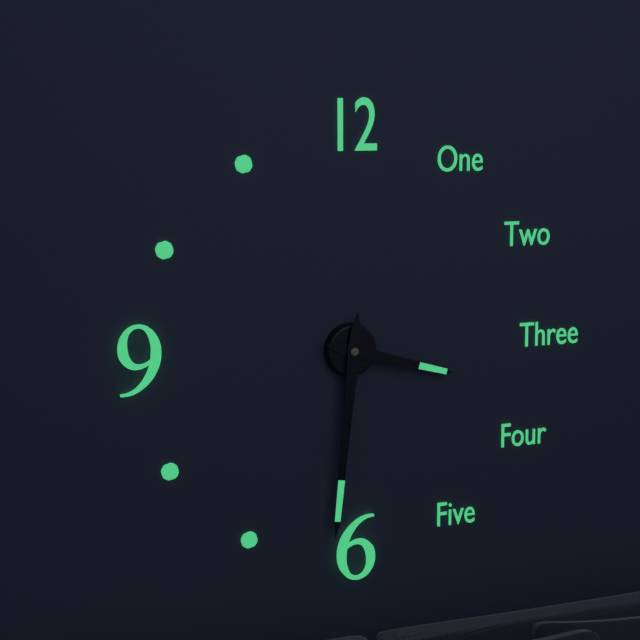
3 h 31 min
